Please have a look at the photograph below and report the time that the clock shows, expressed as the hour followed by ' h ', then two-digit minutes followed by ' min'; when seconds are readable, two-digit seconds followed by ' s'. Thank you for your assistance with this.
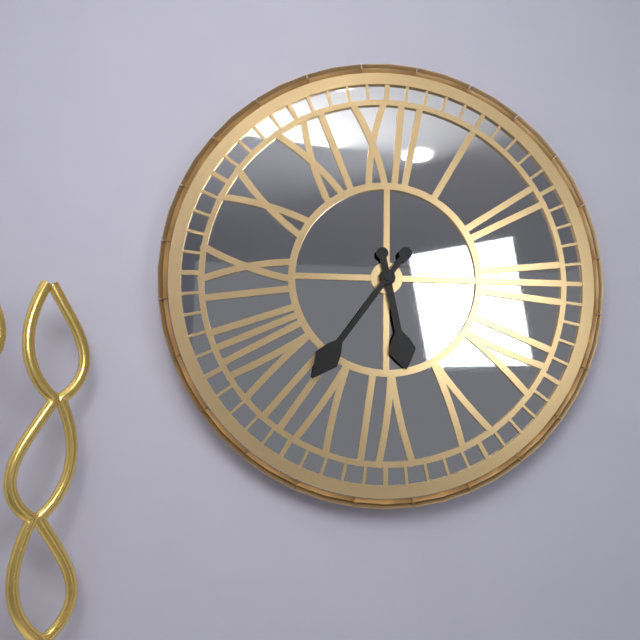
5 h 36 min
